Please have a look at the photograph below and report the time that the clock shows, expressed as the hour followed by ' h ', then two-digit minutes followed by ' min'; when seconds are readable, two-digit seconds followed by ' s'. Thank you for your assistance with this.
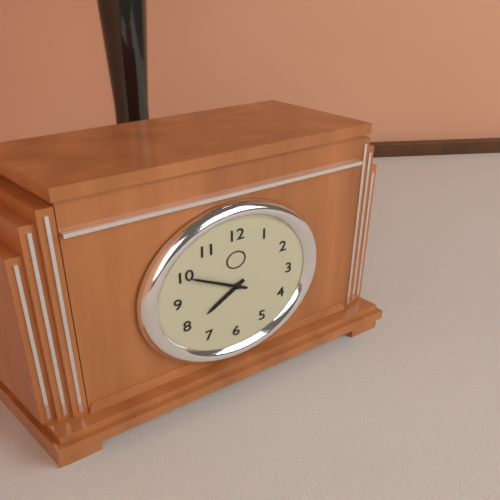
7 h 50 min
